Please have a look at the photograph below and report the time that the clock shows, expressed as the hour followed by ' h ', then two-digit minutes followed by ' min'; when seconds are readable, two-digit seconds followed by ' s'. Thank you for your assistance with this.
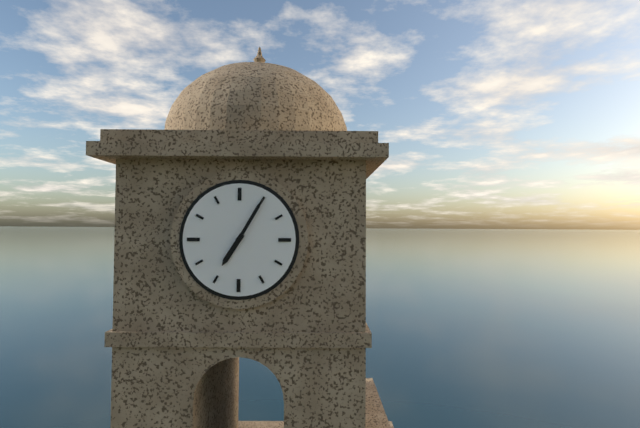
7 h 05 min
